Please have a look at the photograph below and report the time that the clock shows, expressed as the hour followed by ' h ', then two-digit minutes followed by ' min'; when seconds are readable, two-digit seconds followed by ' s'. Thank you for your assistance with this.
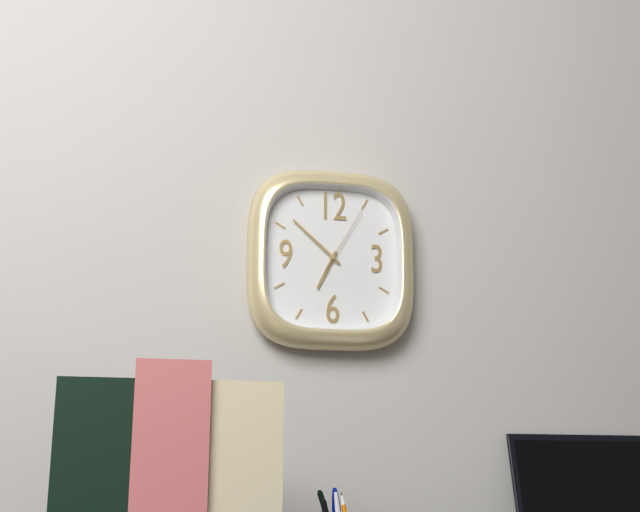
6 h 52 min 05 s
